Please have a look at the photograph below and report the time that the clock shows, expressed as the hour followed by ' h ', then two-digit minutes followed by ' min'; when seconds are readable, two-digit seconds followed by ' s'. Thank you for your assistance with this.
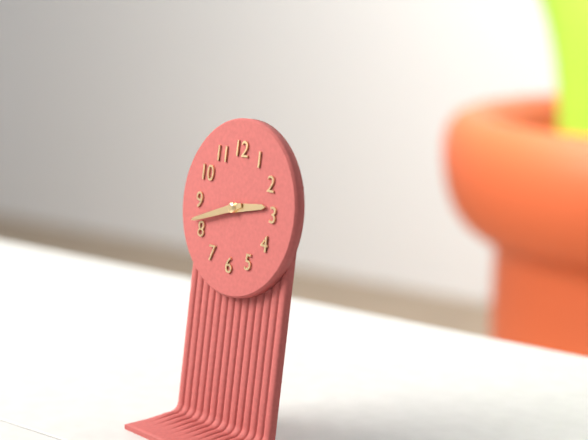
2 h 42 min
